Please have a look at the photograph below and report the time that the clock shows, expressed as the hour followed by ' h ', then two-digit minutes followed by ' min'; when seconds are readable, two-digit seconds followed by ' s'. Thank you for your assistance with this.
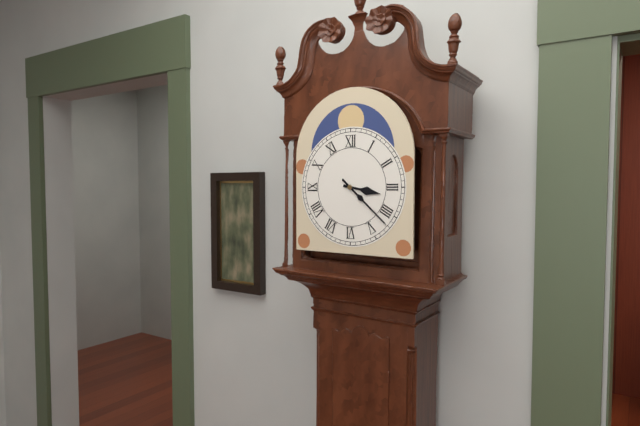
3 h 22 min
